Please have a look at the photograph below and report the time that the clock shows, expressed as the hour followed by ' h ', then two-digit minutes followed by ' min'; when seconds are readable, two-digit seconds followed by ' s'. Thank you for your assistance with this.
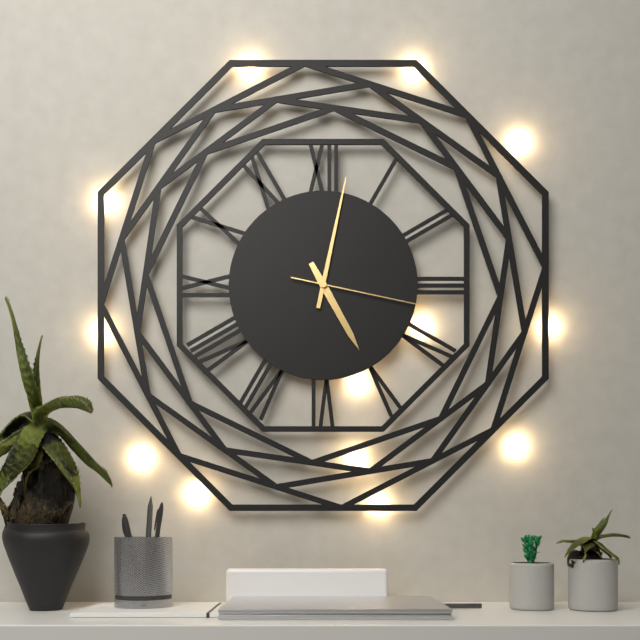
5 h 02 min 17 s
